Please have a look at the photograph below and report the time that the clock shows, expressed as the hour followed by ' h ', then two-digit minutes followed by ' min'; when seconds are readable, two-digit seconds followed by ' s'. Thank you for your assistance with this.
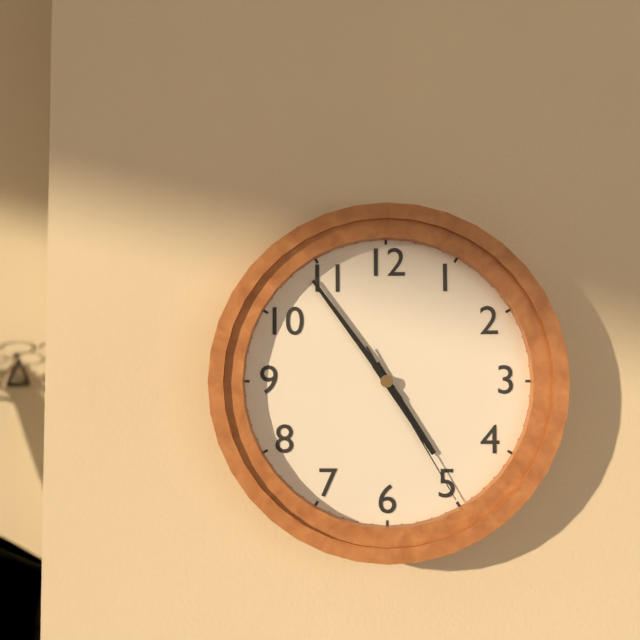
4 h 54 min 25 s
